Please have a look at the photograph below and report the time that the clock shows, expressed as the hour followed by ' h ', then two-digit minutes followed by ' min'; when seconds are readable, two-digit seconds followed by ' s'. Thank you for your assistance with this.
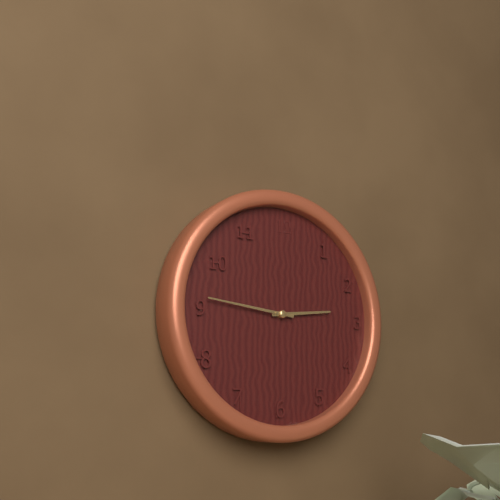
2 h 46 min
